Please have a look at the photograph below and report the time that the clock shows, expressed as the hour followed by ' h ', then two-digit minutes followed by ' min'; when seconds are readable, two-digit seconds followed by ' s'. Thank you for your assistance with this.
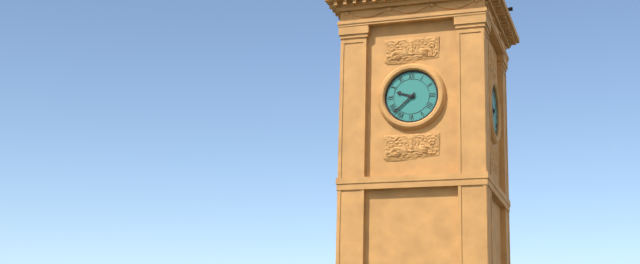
9 h 38 min
